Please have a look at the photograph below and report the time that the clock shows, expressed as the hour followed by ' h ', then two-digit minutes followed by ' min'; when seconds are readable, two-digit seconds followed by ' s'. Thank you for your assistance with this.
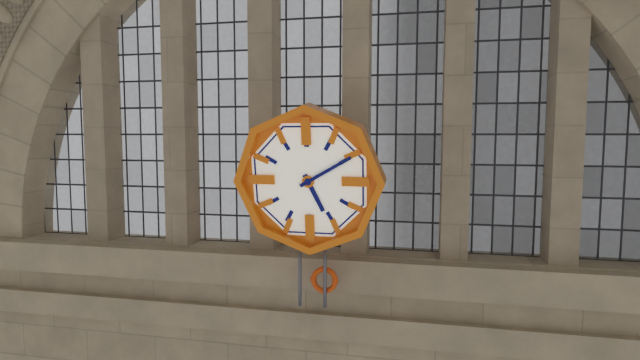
5 h 10 min
